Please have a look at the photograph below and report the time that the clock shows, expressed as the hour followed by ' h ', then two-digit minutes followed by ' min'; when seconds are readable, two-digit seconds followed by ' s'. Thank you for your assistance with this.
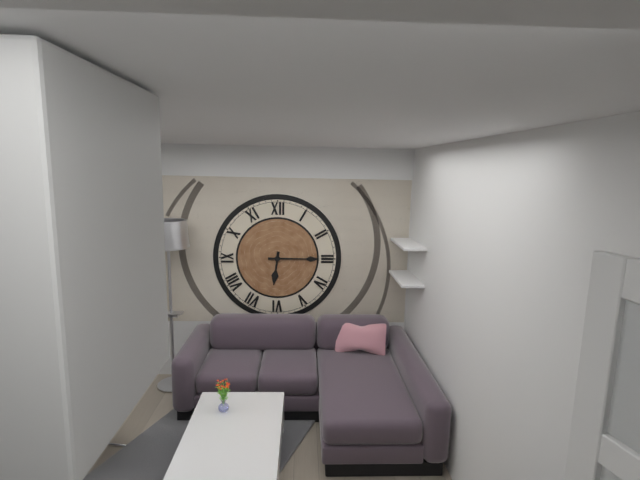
6 h 15 min
